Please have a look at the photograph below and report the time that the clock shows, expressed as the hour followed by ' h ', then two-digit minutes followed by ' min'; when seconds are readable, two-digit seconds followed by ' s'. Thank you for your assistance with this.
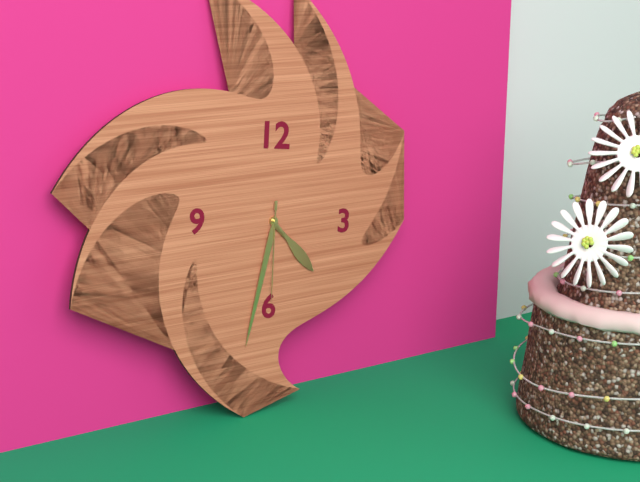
4 h 32 min 30 s
